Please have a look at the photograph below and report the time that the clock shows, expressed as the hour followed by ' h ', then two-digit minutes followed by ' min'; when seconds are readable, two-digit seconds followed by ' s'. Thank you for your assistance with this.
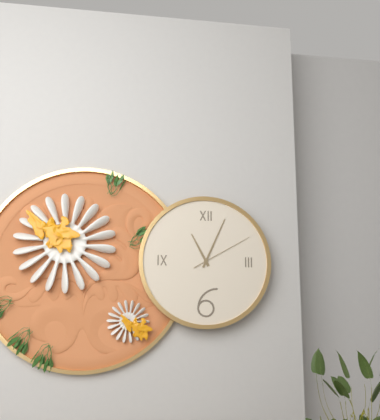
11 h 04 min 10 s
